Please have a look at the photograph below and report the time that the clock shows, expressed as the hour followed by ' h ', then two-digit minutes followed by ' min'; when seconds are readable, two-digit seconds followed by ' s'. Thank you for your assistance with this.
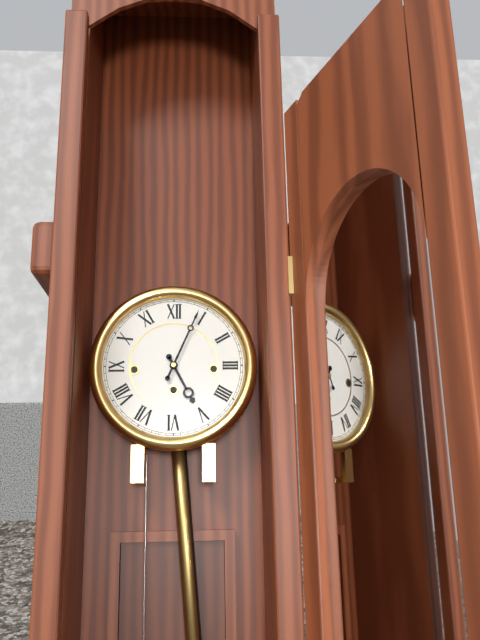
5 h 04 min
